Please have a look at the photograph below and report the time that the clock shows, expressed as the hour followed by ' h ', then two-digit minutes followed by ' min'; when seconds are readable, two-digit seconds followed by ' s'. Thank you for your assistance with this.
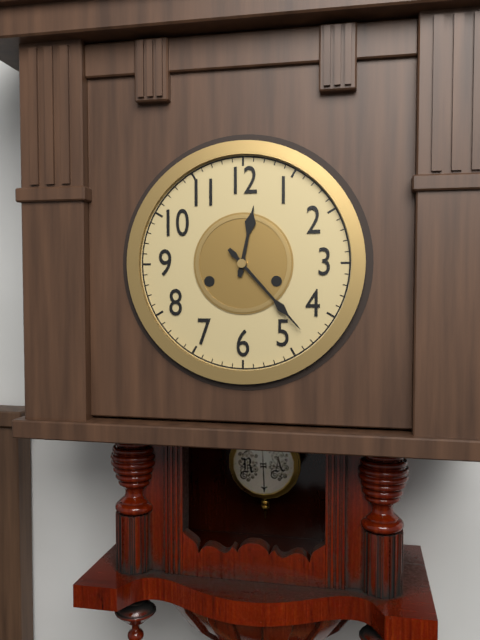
12 h 23 min
